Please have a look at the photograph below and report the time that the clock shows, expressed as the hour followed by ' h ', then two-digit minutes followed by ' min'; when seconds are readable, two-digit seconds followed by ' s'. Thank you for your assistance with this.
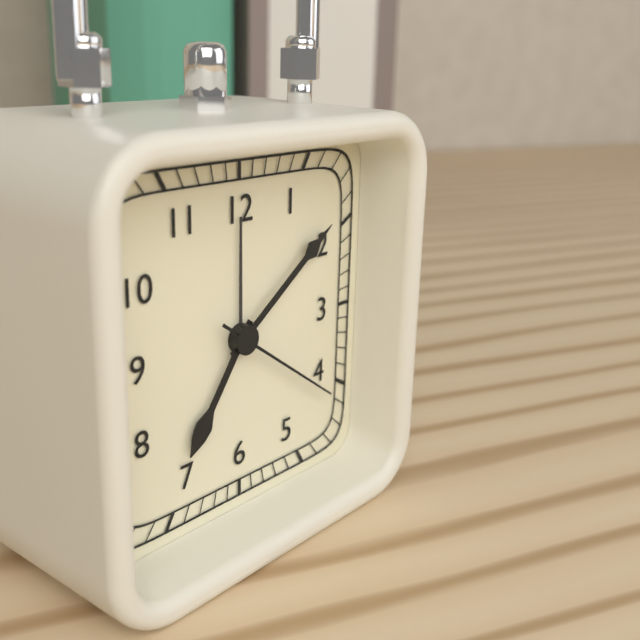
7 h 09 min 21 s
